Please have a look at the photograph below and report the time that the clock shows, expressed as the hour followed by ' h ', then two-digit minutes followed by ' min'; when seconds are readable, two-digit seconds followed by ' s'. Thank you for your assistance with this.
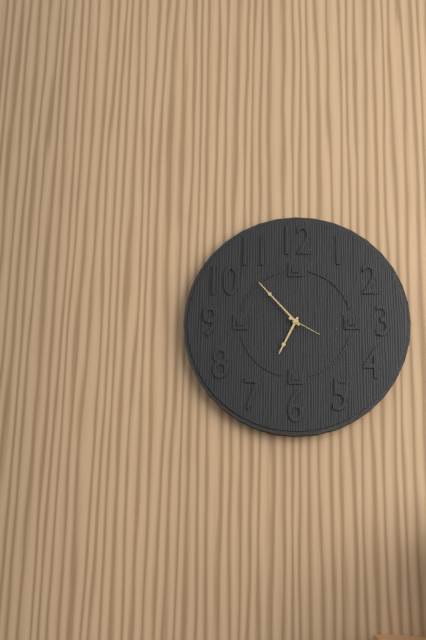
6 h 53 min
